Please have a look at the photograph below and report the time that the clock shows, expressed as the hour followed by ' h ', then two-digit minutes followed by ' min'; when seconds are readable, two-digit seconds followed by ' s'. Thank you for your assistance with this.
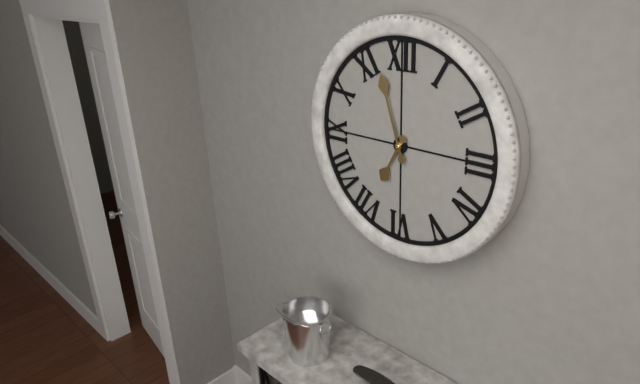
6 h 57 min
